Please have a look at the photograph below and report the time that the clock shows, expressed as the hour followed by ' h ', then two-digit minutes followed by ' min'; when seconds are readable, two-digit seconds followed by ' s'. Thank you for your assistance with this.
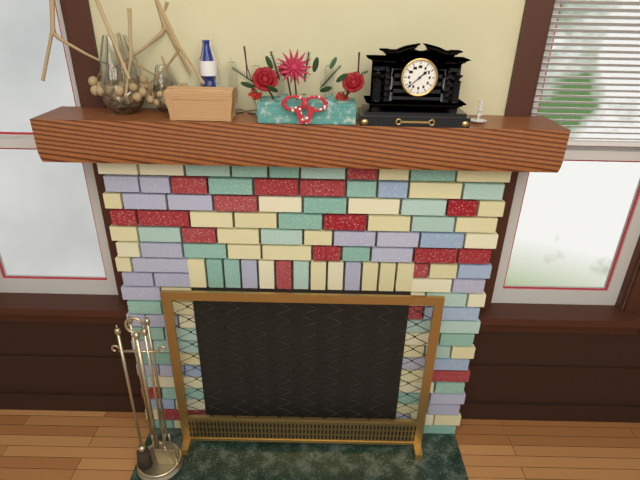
1 h 38 min
